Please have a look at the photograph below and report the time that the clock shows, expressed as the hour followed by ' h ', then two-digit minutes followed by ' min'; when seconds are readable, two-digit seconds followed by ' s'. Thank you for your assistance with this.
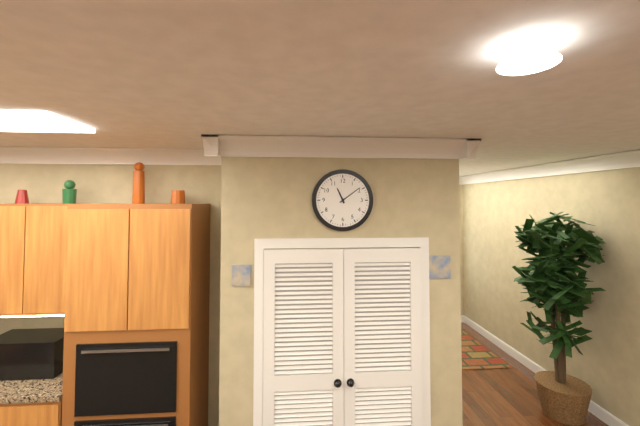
11 h 09 min
